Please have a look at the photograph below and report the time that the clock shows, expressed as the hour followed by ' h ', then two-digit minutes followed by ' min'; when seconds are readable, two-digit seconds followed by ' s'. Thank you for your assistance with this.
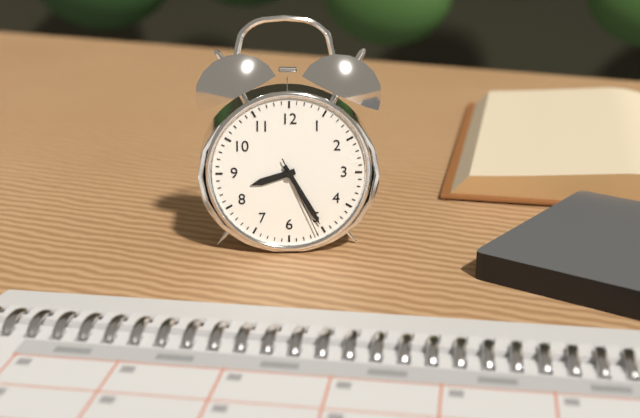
8 h 25 min 26 s
